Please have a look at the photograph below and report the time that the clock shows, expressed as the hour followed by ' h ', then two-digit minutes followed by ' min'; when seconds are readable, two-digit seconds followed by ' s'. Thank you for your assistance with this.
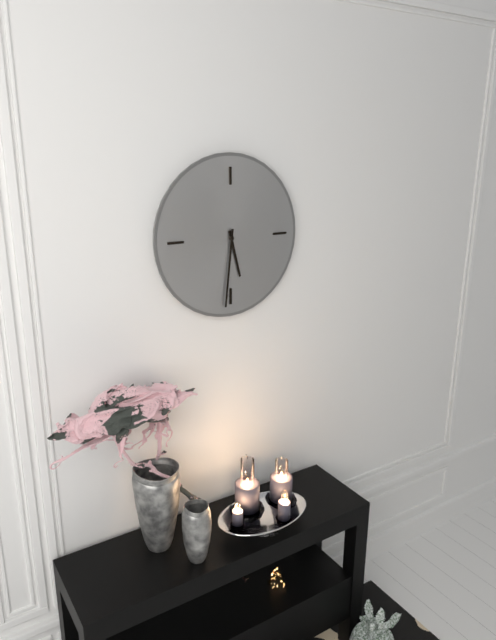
5 h 31 min
